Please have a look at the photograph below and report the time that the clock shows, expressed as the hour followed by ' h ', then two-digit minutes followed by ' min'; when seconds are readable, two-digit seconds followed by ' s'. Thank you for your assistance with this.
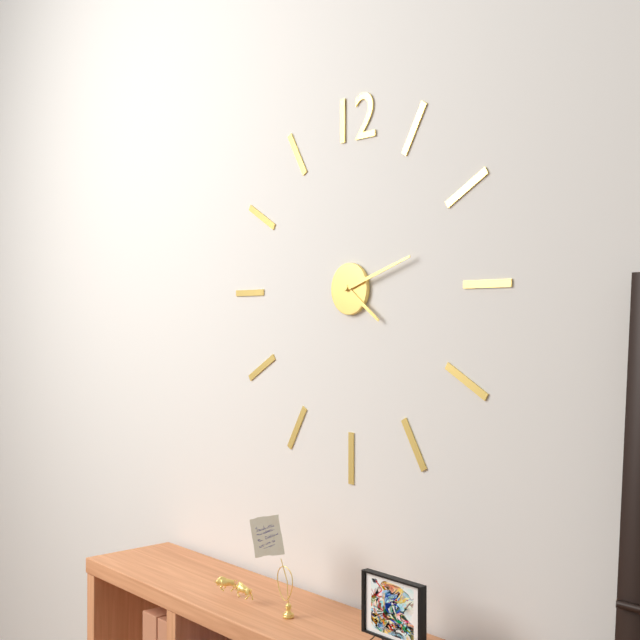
4 h 12 min
